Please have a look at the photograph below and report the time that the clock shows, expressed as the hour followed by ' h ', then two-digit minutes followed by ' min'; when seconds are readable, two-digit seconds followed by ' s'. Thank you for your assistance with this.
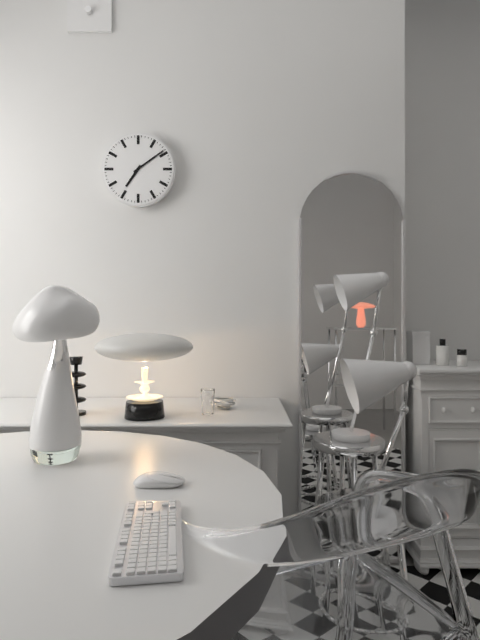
7 h 09 min
